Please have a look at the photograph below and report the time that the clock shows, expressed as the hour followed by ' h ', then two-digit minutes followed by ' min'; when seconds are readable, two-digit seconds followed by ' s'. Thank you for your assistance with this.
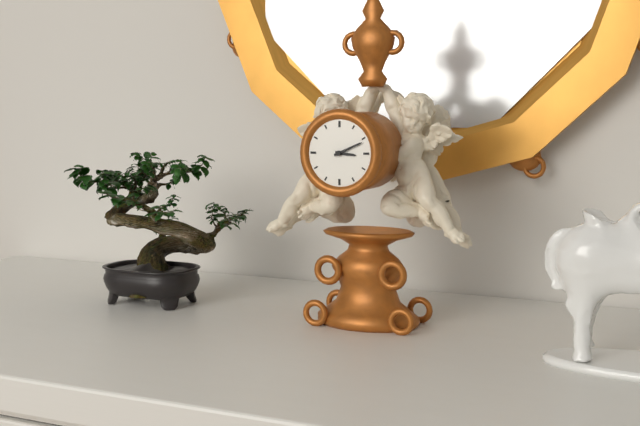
3 h 11 min
